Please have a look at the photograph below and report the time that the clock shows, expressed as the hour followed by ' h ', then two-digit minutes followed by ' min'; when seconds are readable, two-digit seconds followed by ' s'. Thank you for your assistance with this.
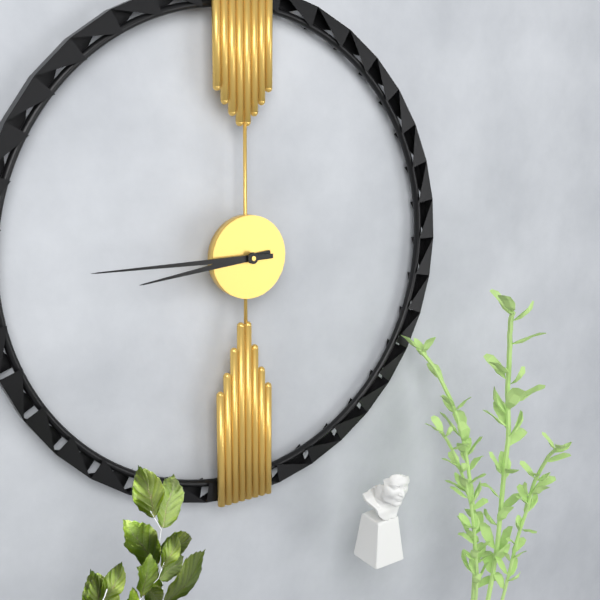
8 h 45 min
